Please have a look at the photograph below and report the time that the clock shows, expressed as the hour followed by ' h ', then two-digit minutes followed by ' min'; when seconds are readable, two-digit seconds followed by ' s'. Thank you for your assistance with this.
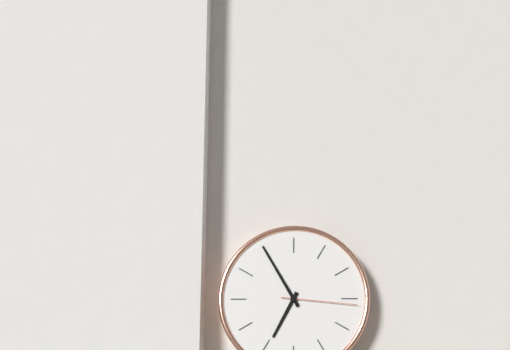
6 h 55 min 16 s
